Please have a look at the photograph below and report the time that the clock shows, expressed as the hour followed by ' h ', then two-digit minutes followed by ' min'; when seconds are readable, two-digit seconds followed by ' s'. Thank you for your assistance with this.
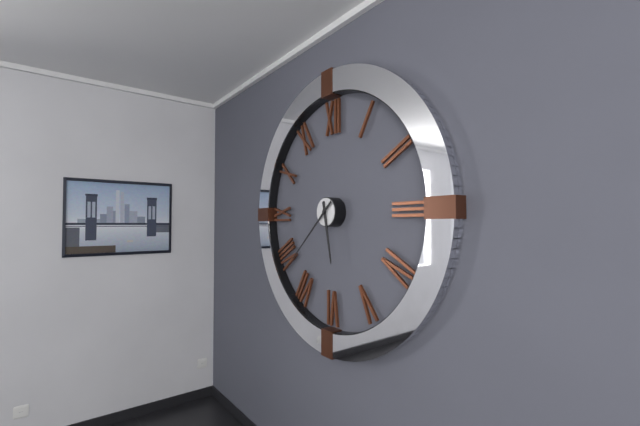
5 h 38 min
